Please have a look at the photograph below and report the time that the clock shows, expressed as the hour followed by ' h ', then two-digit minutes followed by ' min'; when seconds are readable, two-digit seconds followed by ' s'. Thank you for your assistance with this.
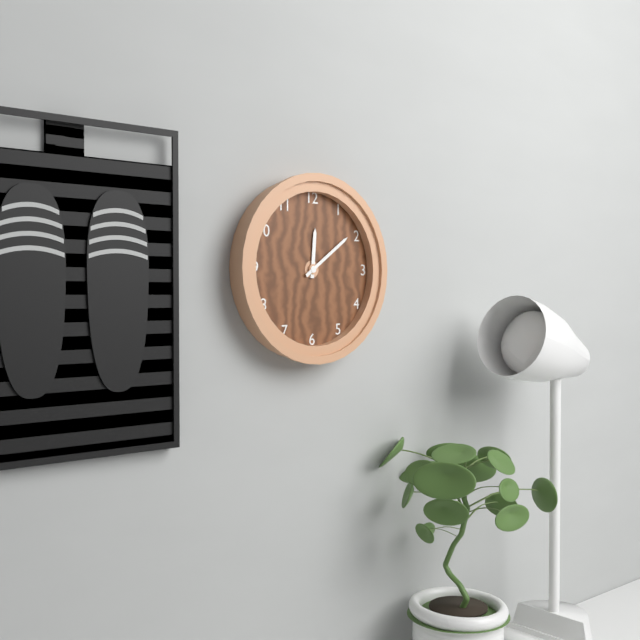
12 h 09 min
